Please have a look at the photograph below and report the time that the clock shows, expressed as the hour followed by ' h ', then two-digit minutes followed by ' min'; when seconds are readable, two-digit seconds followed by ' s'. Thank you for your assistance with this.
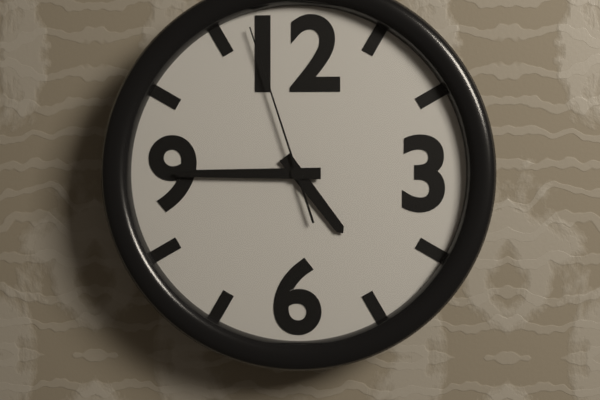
4 h 45 min 57 s
